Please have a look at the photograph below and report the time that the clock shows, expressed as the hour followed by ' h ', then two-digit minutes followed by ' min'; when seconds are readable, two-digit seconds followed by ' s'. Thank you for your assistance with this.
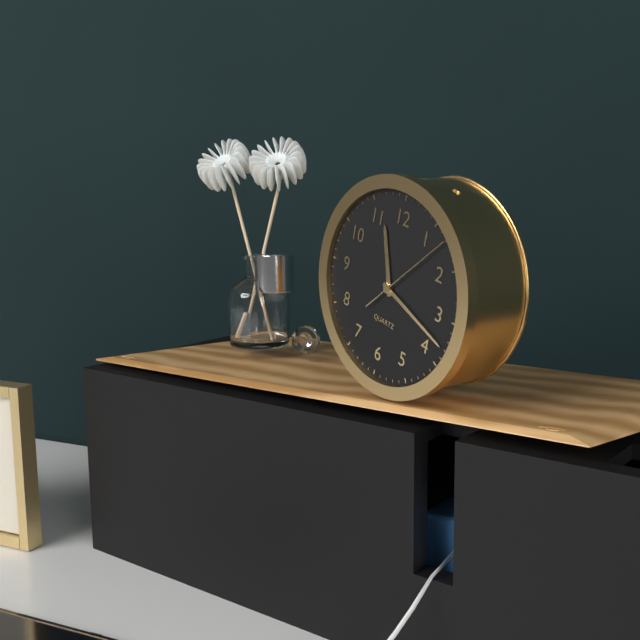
11 h 18 min 07 s
